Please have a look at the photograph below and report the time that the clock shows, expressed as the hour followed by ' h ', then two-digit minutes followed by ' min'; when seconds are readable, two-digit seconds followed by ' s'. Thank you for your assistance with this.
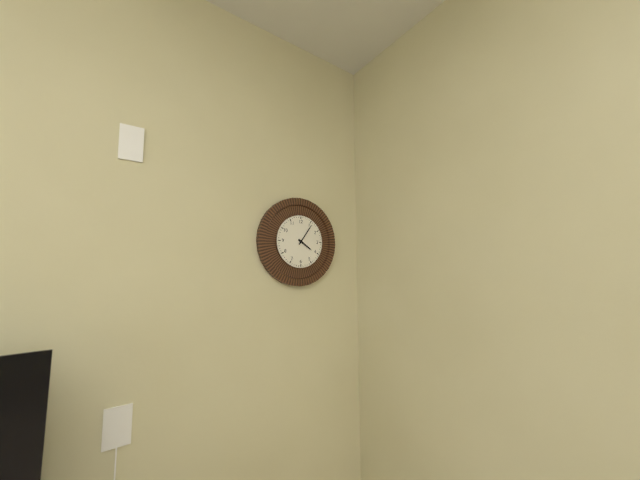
4 h 06 min
